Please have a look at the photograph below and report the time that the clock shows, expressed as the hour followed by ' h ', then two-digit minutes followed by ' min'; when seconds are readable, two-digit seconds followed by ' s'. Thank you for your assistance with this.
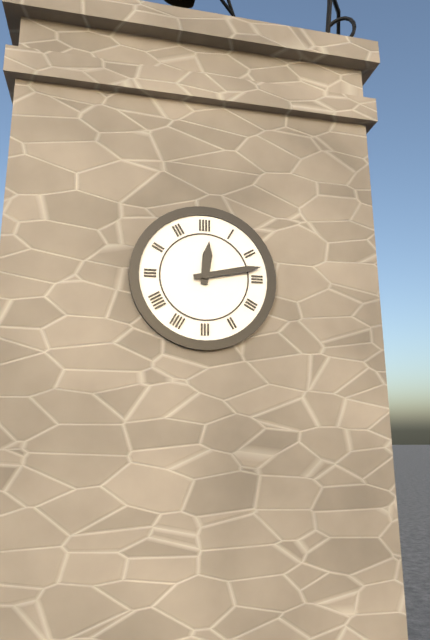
12 h 13 min
